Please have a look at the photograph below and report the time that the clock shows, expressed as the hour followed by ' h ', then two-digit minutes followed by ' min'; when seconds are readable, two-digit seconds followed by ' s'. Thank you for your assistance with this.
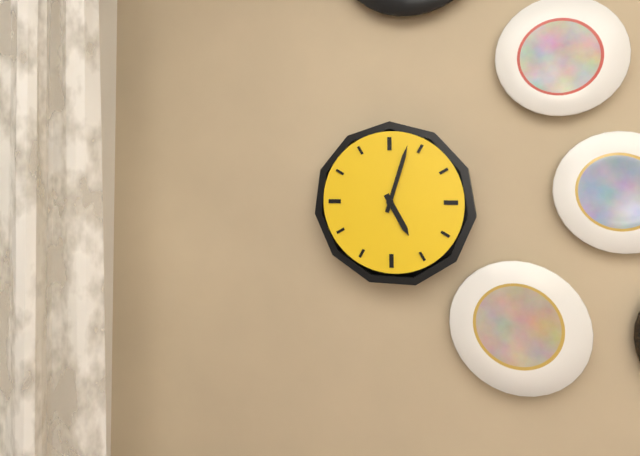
5 h 03 min
